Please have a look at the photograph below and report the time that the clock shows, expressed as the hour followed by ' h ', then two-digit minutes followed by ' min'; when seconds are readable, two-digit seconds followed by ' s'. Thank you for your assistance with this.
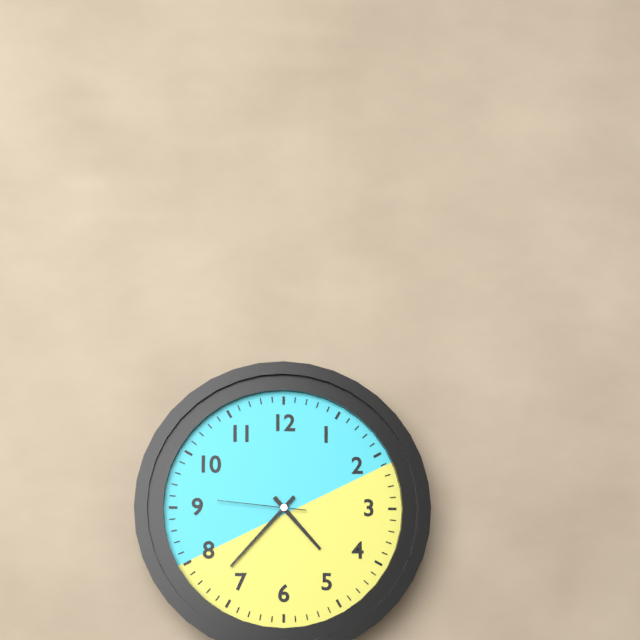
4 h 37 min 46 s
